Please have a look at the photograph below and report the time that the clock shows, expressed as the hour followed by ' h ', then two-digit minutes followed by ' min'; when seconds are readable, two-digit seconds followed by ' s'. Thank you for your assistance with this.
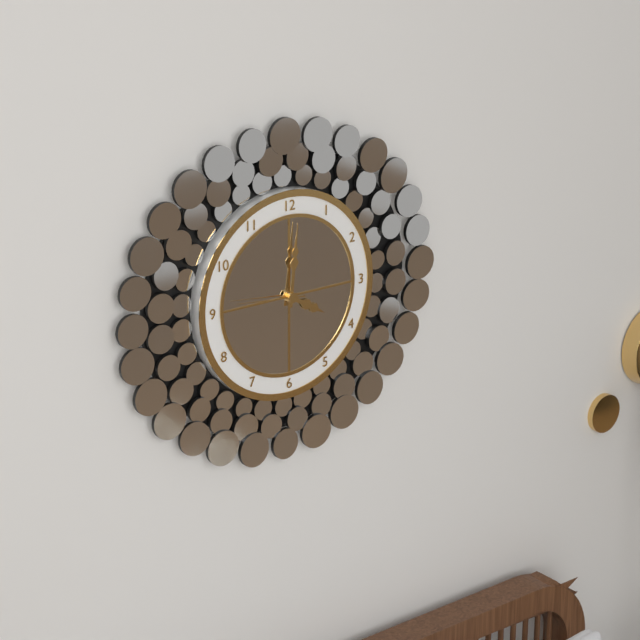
4 h 01 min 46 s
